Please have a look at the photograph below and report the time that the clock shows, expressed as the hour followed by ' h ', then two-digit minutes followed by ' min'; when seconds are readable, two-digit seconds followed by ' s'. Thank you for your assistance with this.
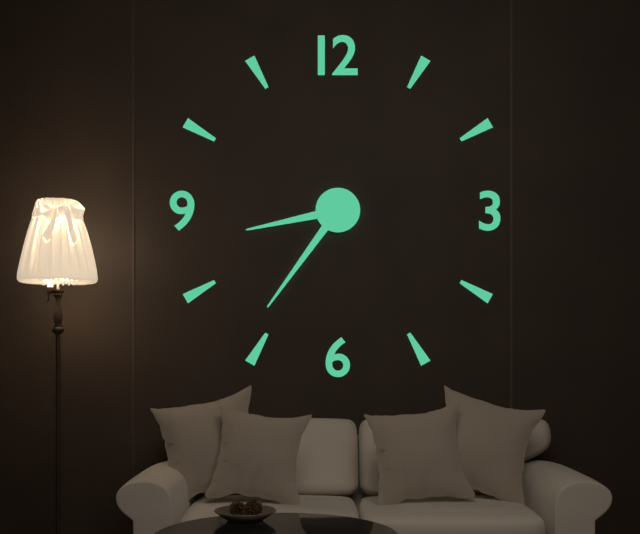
8 h 36 min
